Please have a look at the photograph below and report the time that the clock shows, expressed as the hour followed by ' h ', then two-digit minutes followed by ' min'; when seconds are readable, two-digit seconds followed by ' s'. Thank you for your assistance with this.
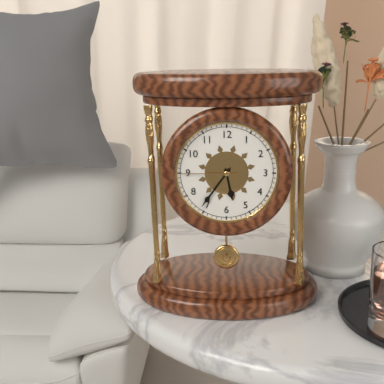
5 h 36 min 45 s
